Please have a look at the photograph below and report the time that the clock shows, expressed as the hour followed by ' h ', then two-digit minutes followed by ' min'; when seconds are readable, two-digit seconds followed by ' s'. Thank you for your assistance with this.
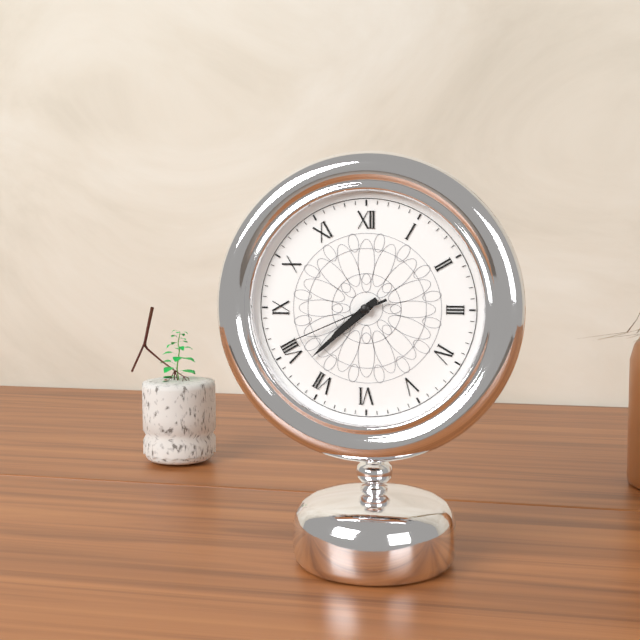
7 h 38 min 41 s
